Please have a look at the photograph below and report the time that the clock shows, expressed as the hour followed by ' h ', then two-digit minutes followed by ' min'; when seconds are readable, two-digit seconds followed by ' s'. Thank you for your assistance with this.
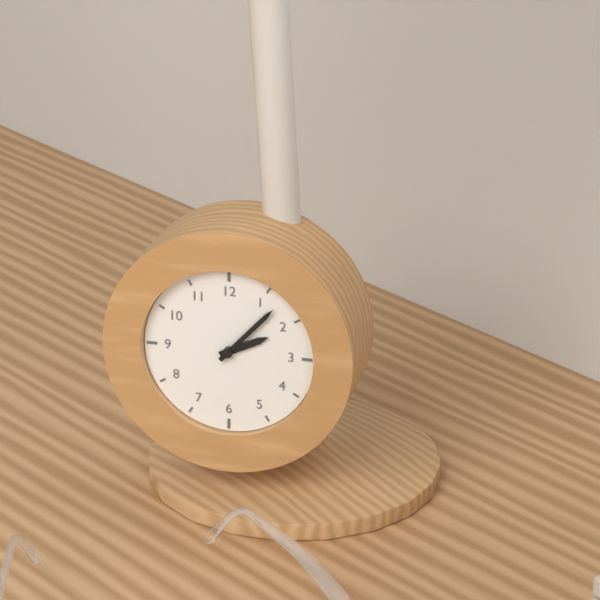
2 h 07 min
